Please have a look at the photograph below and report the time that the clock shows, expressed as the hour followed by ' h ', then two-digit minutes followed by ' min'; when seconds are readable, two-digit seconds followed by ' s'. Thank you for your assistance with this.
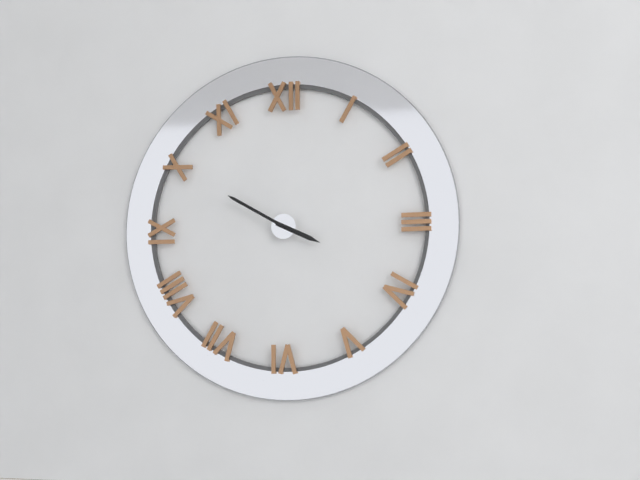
3 h 50 min
